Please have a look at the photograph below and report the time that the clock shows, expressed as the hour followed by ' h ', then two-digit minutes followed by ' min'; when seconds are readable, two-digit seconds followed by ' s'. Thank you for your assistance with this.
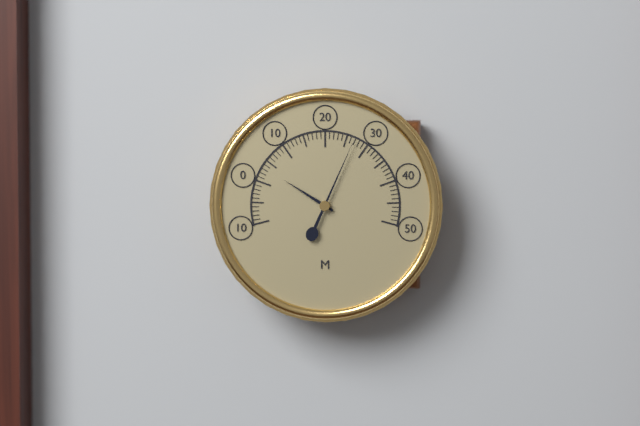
10 h 04 min
